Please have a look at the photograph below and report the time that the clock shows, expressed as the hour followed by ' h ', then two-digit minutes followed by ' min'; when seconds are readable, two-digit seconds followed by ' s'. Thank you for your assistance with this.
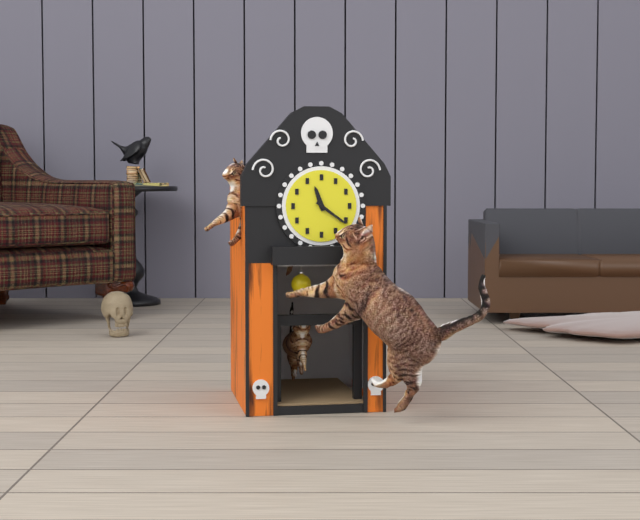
11 h 21 min
